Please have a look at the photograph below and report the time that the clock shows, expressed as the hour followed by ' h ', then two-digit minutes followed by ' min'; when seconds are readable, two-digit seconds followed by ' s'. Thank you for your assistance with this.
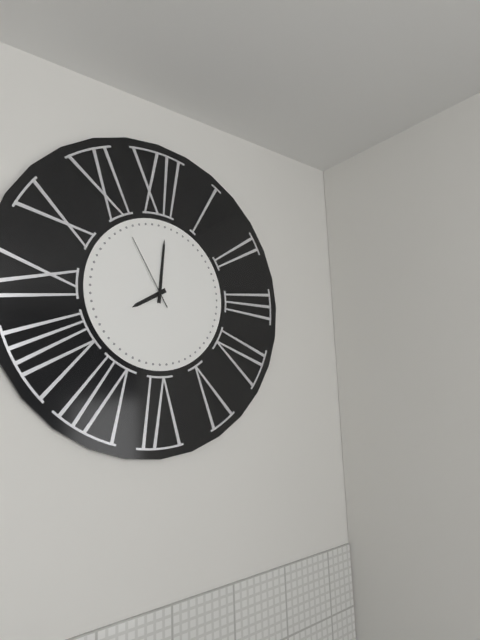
8 h 01 min 55 s
